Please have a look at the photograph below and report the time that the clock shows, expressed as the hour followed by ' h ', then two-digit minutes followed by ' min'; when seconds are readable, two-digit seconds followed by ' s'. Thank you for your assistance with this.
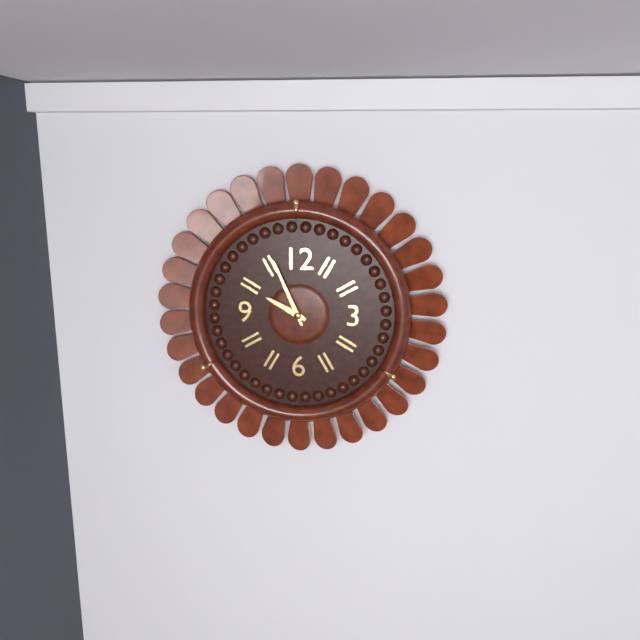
9 h 56 min
